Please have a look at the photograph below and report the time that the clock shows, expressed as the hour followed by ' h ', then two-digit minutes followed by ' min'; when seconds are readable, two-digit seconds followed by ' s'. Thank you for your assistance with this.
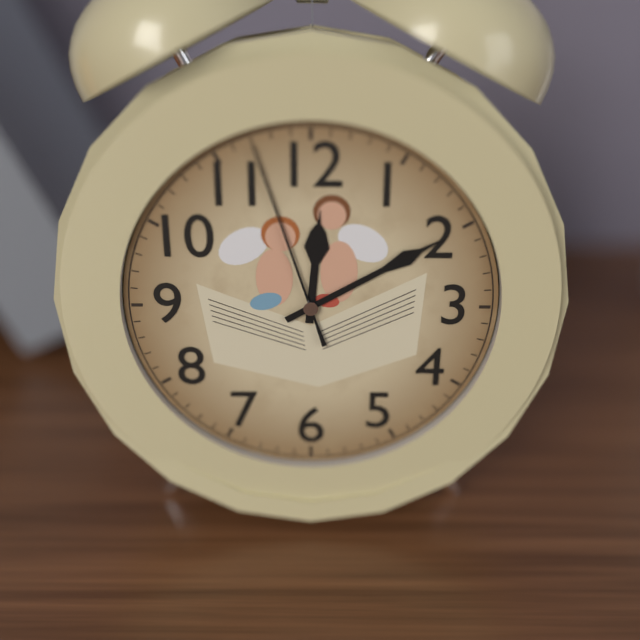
12 h 10 min 57 s
